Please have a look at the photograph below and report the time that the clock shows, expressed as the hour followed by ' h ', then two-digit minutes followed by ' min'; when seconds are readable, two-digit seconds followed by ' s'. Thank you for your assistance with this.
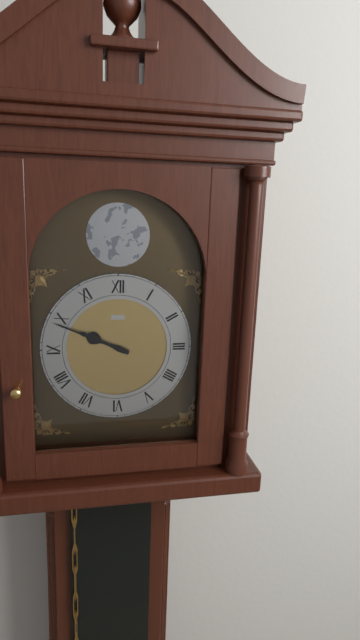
9 h 49 min
